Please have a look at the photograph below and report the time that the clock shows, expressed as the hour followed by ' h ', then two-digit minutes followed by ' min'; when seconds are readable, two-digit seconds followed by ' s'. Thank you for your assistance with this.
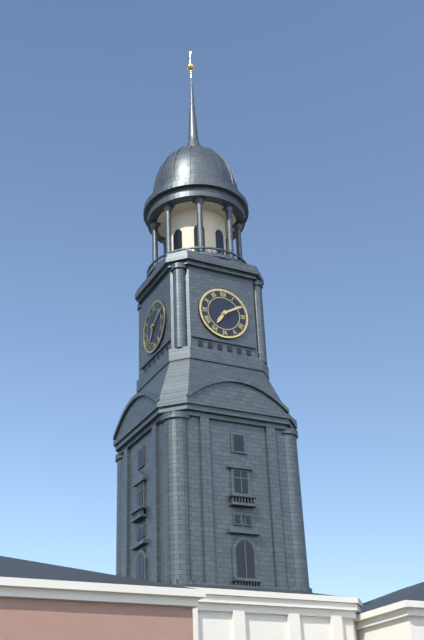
7 h 10 min
